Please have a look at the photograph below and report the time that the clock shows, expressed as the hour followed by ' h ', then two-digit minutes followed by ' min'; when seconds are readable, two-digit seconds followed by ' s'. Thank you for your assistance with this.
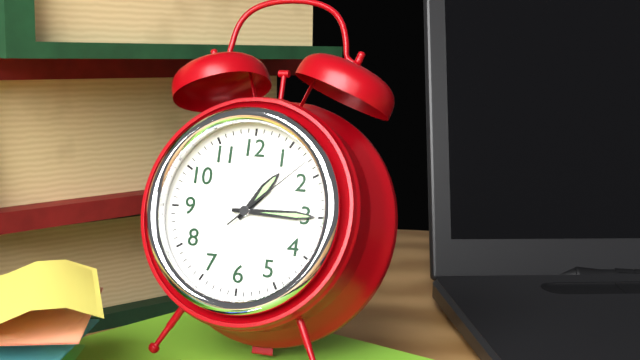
1 h 15 min 08 s
